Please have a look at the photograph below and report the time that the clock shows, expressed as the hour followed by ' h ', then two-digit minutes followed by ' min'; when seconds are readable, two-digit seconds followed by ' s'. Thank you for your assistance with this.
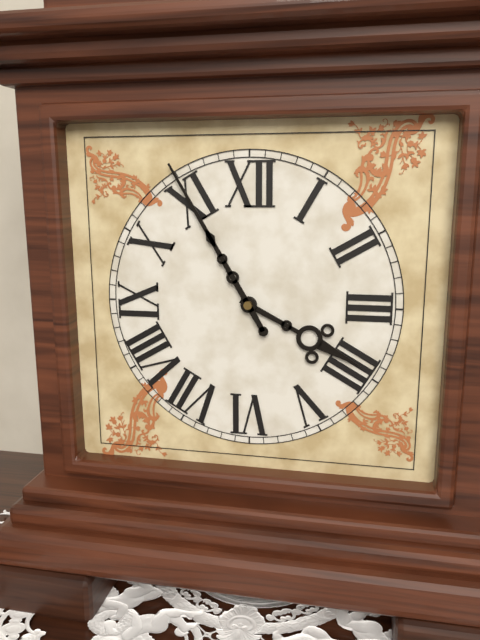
3 h 55 min
